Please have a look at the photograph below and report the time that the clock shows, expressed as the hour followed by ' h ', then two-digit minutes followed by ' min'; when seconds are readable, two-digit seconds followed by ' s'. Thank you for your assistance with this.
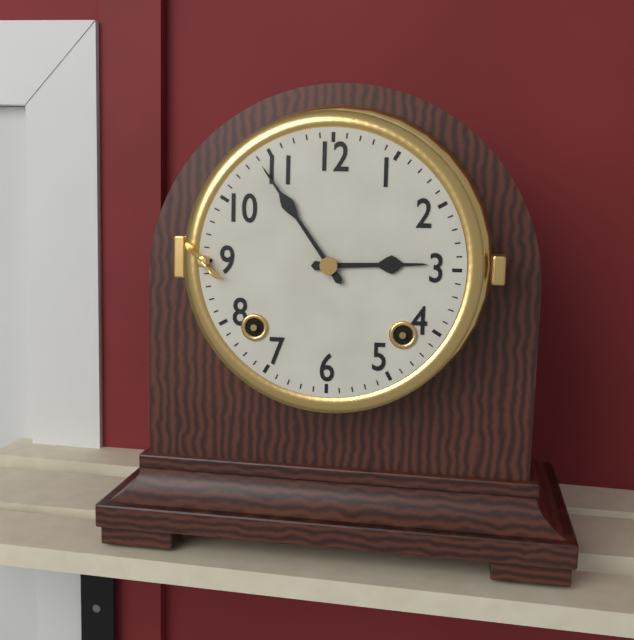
2 h 54 min
